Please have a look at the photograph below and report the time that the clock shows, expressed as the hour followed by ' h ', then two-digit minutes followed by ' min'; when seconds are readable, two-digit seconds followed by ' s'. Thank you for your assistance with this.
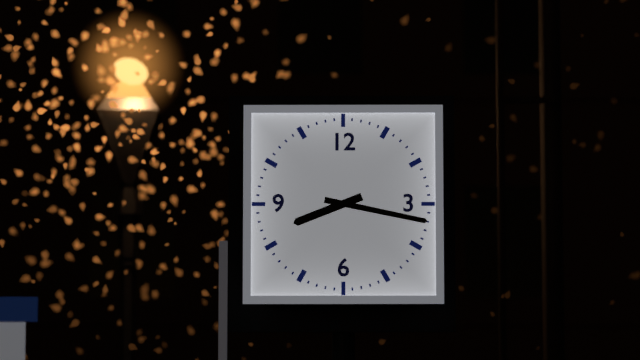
8 h 17 min
